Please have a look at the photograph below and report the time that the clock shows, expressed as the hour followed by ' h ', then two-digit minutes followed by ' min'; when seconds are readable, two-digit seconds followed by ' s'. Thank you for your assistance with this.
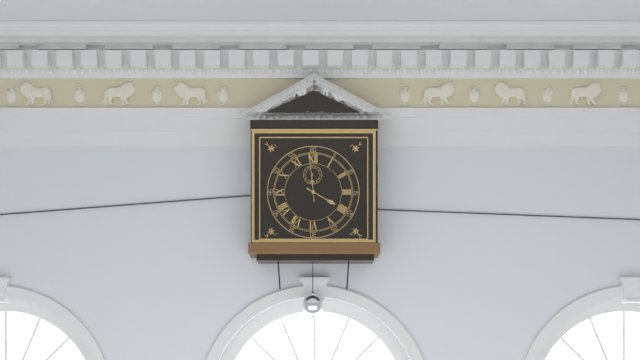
3 h 59 min
